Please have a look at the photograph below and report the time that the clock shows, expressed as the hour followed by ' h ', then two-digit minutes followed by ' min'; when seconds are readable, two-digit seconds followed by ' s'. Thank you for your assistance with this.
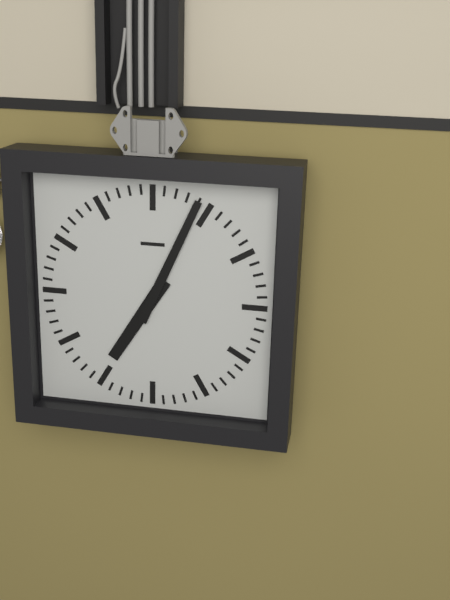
7 h 04 min
